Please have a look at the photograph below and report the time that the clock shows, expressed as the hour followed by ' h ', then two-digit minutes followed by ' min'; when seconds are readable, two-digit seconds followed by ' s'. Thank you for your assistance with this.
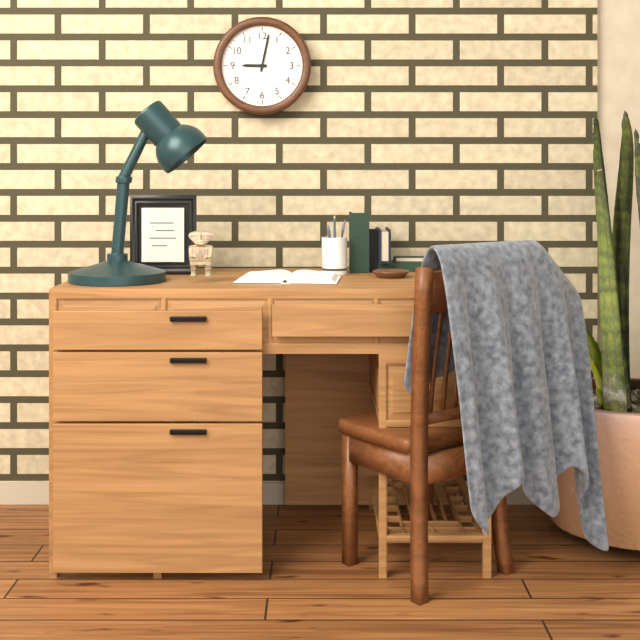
9 h 02 min
